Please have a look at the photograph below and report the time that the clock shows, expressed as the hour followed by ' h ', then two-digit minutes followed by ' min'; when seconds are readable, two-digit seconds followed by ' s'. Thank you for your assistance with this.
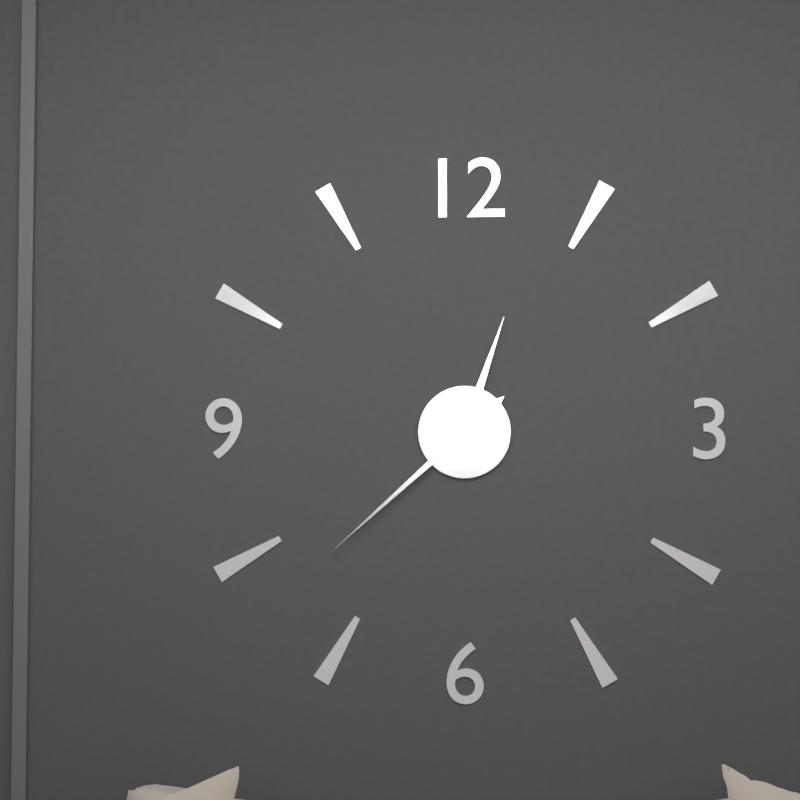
12 h 38 min
